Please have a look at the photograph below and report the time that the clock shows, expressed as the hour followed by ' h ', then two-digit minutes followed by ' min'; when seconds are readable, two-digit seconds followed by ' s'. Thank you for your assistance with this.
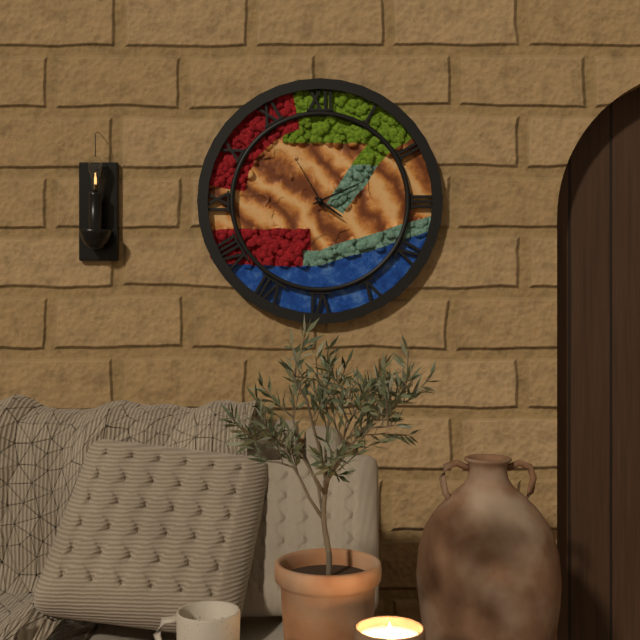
4 h 11 min 55 s
